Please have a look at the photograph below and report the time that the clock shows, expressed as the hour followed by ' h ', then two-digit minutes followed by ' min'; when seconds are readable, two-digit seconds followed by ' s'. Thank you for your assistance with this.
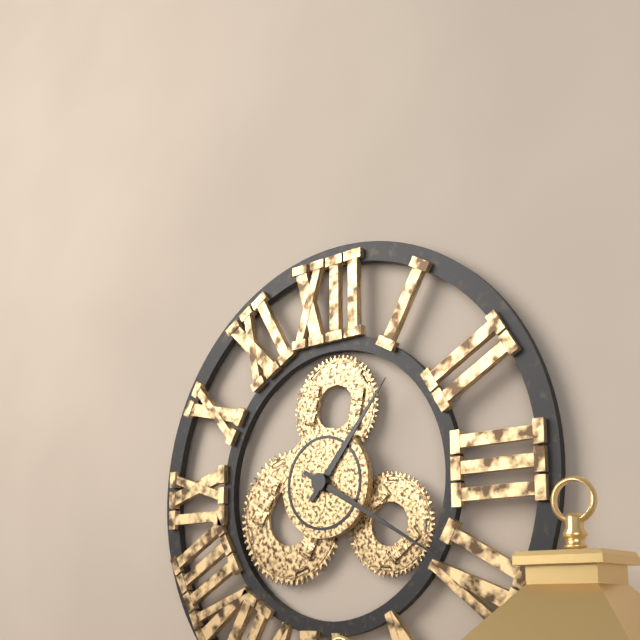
1 h 20 min
